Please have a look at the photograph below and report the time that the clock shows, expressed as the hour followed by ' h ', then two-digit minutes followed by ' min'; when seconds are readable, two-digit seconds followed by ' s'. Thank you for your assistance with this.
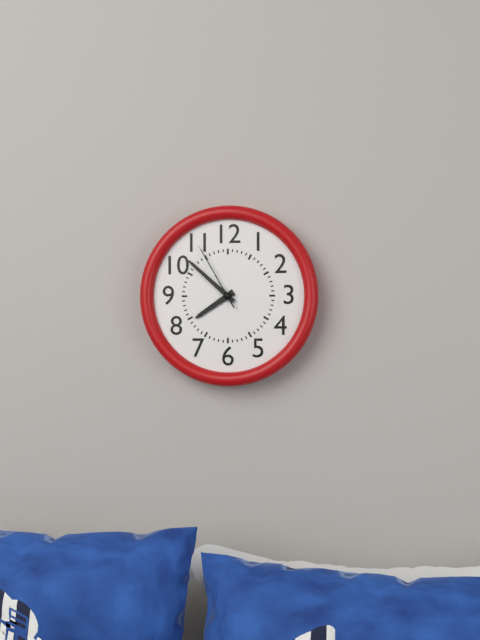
7 h 52 min 55 s
